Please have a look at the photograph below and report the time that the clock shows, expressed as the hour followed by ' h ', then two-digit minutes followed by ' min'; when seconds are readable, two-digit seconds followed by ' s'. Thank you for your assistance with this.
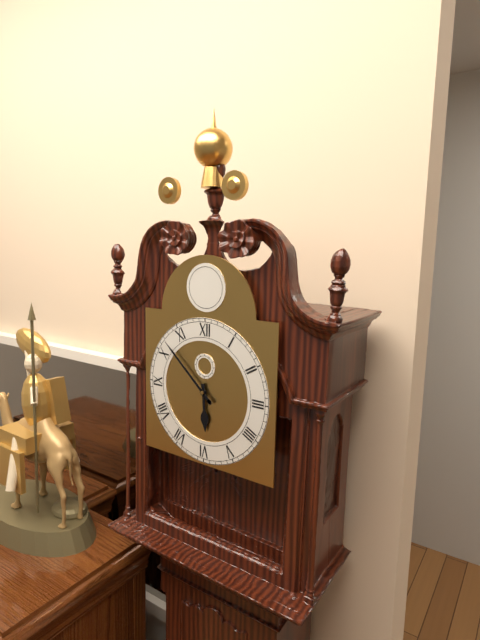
5 h 52 min
